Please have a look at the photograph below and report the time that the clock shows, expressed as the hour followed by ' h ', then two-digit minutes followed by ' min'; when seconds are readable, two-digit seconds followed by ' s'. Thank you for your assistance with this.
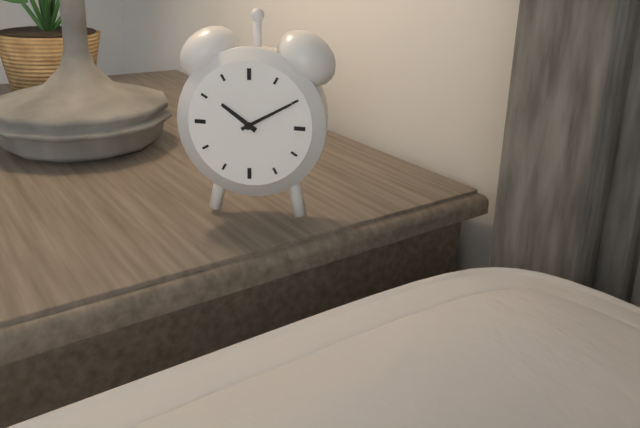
10 h 10 min
